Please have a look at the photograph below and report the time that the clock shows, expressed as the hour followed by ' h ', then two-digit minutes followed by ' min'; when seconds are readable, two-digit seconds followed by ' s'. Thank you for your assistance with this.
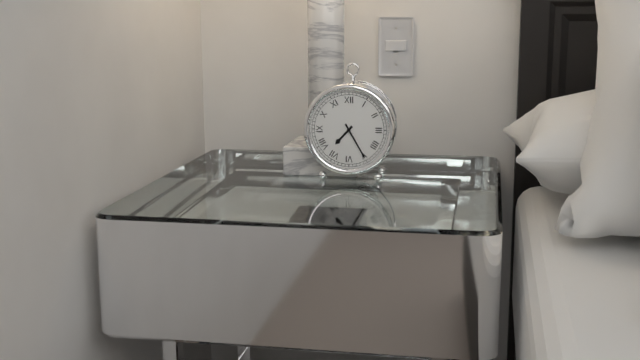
7 h 25 min
